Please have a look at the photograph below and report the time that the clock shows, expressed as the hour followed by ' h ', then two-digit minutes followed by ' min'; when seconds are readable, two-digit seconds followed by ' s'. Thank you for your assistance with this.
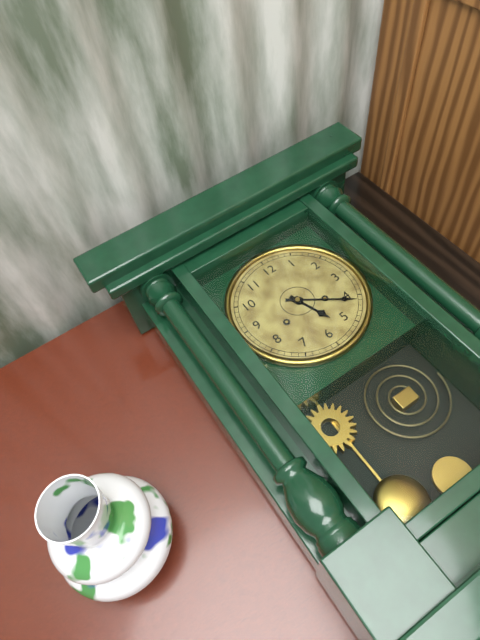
5 h 21 min
